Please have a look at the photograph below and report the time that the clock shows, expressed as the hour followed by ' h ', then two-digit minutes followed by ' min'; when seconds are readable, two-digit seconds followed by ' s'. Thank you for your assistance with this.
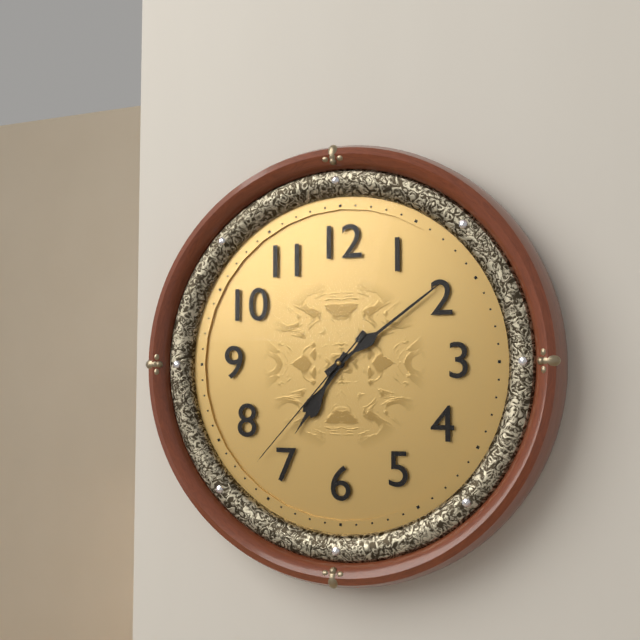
7 h 09 min 37 s
